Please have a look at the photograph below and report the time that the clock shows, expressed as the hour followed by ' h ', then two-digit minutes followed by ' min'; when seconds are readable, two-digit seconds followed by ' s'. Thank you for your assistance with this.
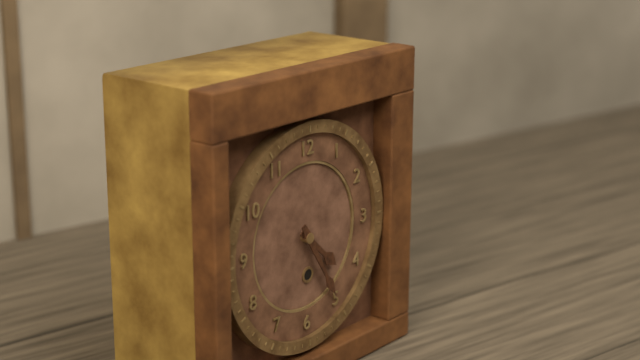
4 h 25 min
